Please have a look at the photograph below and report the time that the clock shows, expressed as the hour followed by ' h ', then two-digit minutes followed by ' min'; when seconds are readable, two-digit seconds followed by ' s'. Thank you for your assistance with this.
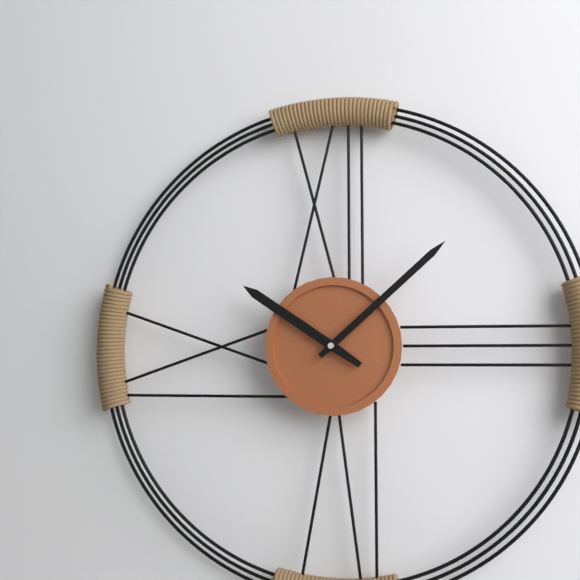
10 h 08 min
